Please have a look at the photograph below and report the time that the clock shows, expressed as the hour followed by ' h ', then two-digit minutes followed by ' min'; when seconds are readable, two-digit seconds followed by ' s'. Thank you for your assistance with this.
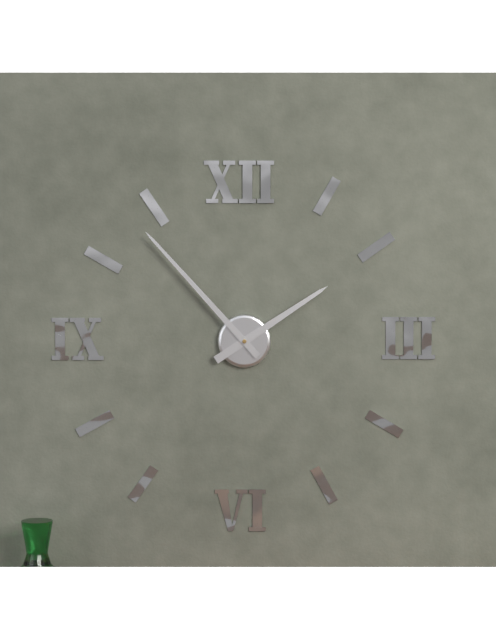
1 h 53 min
